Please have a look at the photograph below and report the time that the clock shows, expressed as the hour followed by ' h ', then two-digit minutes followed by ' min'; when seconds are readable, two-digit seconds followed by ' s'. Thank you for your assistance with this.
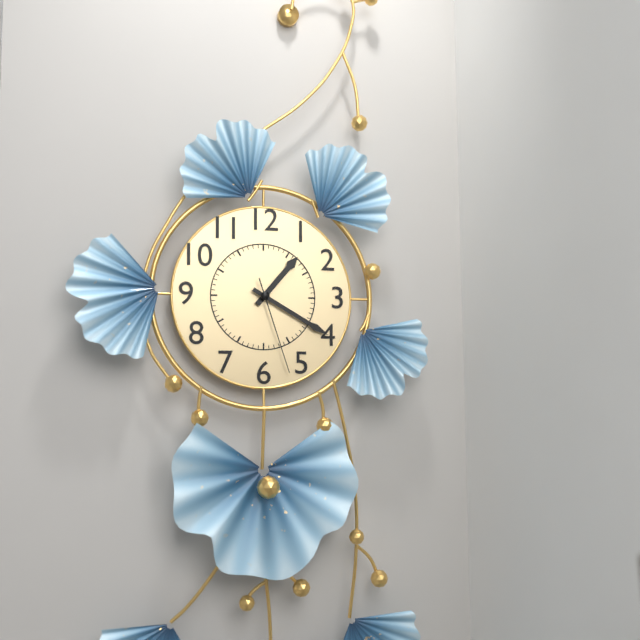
1 h 20 min 27 s
